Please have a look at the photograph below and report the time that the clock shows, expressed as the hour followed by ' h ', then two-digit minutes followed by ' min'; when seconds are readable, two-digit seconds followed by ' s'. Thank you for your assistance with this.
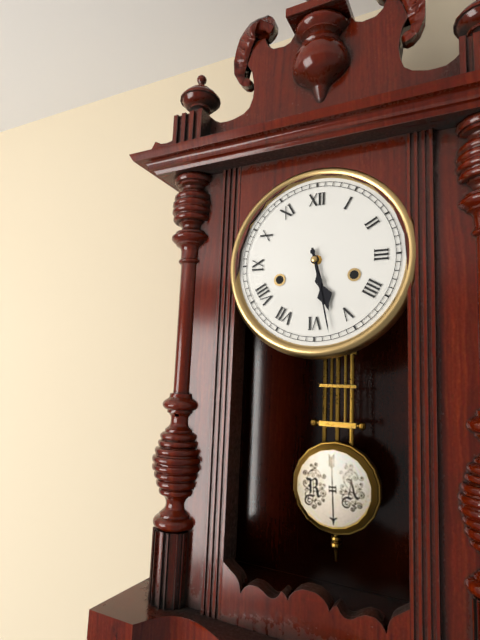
5 h 28 min
